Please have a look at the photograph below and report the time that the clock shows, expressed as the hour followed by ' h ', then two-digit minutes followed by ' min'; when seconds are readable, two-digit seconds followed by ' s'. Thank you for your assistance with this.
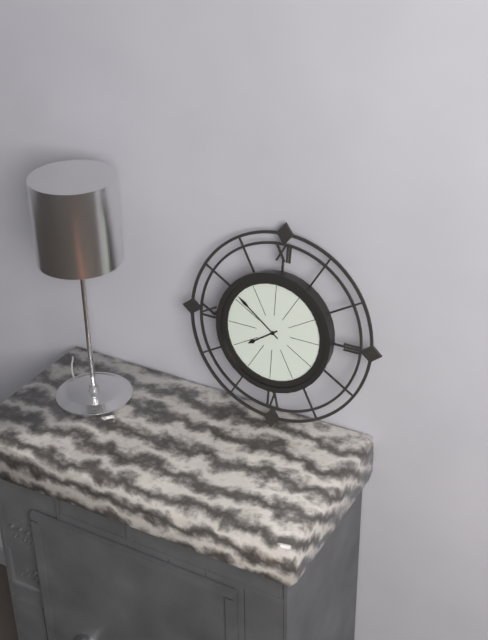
7 h 51 min
